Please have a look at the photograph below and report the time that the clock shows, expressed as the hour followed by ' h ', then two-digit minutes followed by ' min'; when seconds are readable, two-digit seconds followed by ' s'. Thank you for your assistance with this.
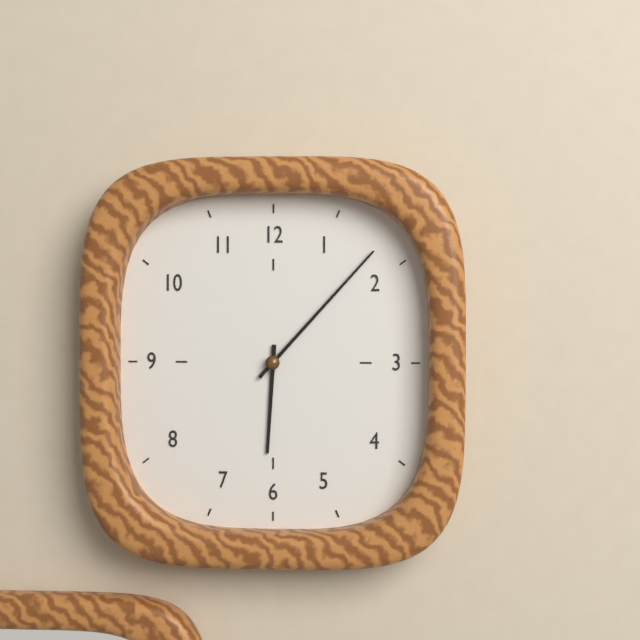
6 h 07 min
